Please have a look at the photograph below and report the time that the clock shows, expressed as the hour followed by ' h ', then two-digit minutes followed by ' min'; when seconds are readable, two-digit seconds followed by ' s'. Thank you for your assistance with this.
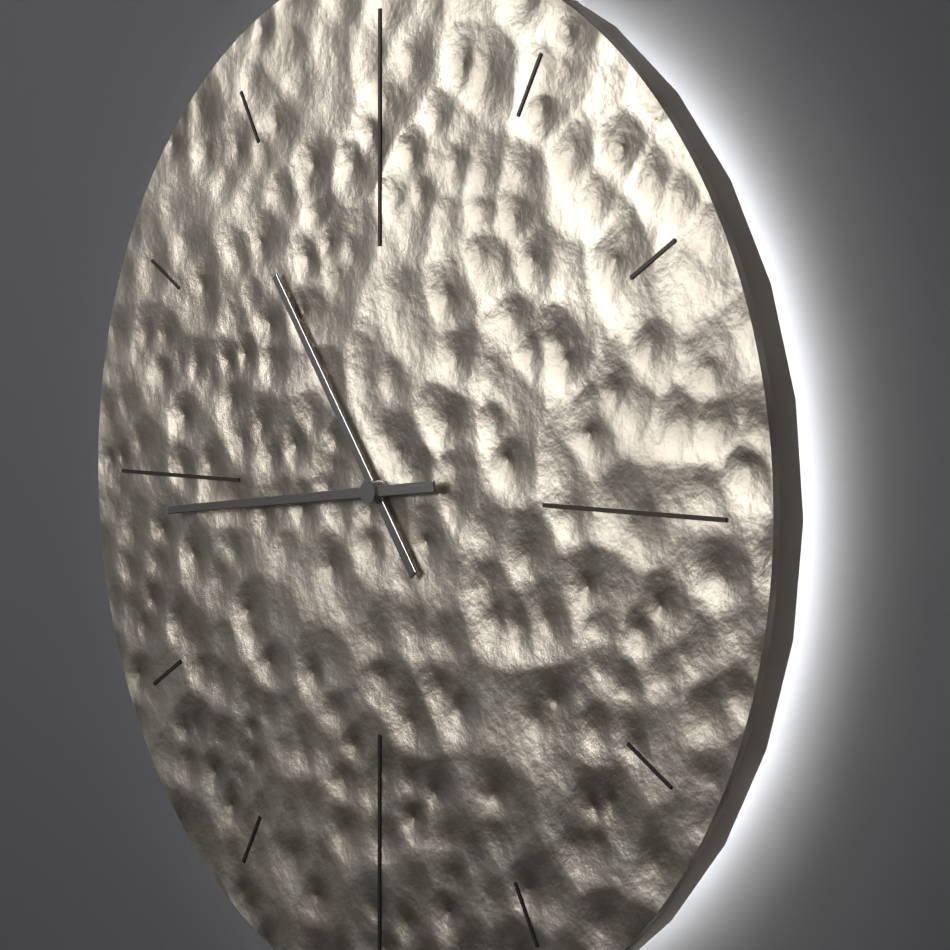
10 h 44 min
